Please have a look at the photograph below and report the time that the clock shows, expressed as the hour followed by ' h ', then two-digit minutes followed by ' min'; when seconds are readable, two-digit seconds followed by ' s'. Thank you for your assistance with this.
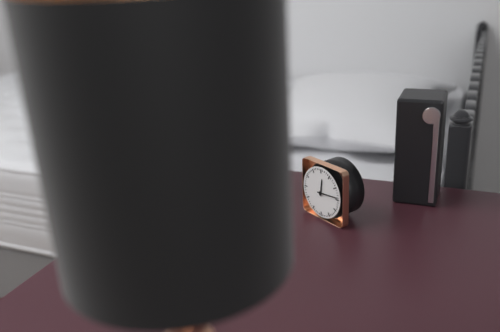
12 h 14 min
